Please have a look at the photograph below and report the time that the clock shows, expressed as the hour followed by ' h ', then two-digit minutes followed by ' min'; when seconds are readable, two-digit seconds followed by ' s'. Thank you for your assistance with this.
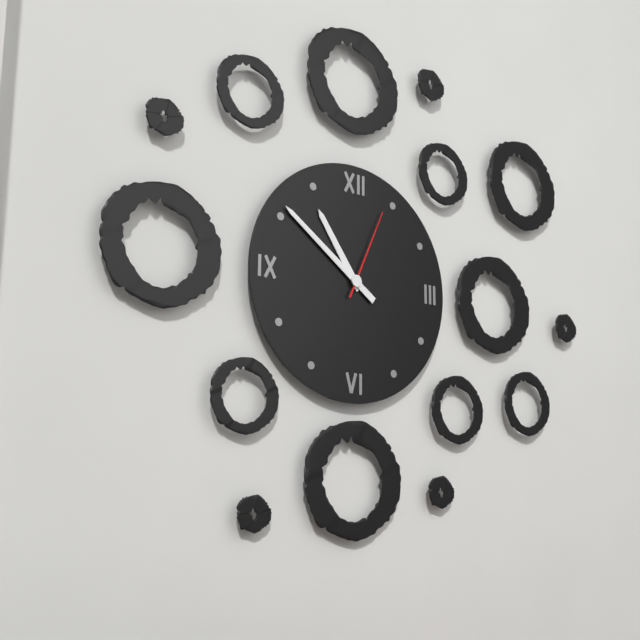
10 h 51 min 04 s
